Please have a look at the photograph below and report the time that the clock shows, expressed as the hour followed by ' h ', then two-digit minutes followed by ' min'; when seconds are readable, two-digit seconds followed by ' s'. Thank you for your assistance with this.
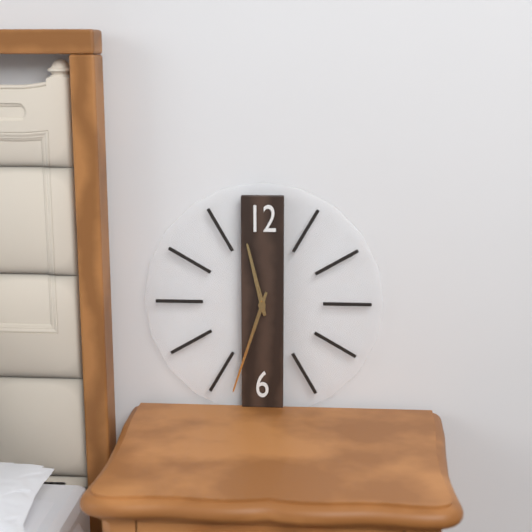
11 h 33 min
